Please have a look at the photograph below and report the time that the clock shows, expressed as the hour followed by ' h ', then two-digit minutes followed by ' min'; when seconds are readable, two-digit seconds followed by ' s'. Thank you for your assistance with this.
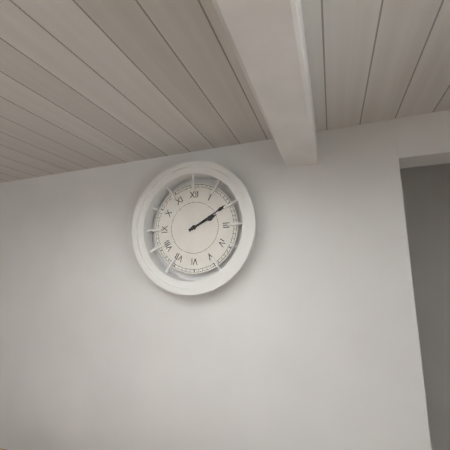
2 h 10 min
